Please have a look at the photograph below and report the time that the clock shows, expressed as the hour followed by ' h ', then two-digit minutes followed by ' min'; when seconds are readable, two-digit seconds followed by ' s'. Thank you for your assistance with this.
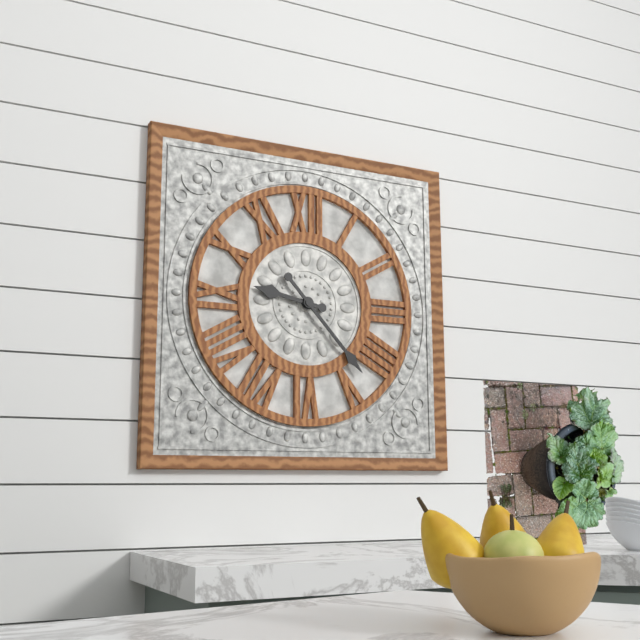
9 h 23 min
